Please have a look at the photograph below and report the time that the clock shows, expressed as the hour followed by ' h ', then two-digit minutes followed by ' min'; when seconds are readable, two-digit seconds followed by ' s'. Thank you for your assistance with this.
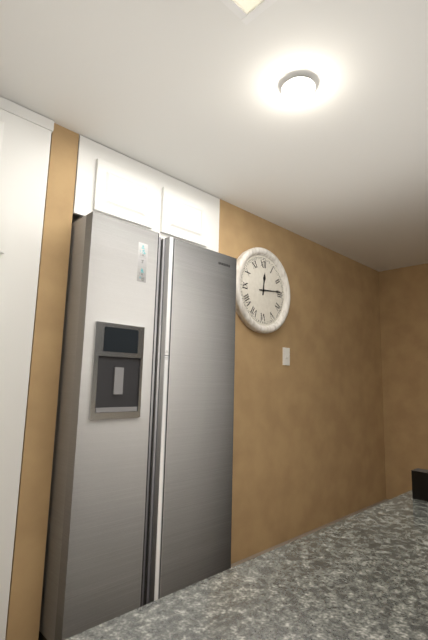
12 h 14 min
